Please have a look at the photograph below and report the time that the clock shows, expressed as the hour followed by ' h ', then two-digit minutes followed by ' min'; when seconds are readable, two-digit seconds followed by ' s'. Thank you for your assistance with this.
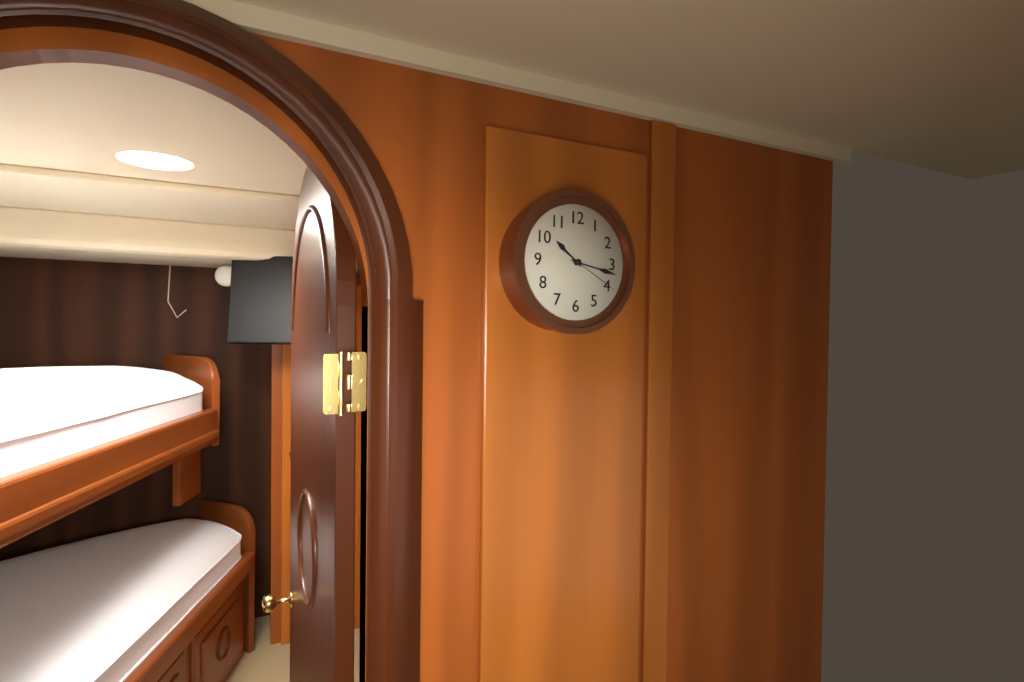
10 h 17 min 20 s
